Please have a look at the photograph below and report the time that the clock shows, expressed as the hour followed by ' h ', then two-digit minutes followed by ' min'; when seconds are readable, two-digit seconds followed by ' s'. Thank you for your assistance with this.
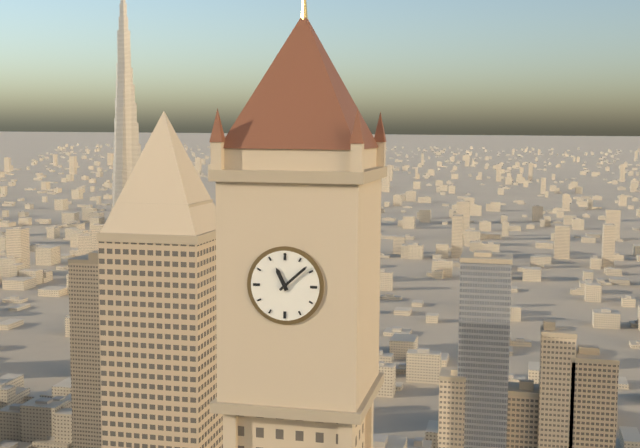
11 h 08 min
